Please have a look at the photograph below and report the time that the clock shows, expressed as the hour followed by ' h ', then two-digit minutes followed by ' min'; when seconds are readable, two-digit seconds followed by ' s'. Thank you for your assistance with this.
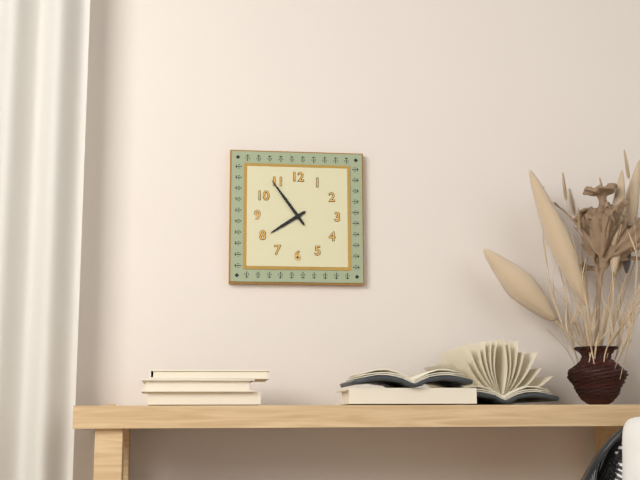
7 h 54 min
